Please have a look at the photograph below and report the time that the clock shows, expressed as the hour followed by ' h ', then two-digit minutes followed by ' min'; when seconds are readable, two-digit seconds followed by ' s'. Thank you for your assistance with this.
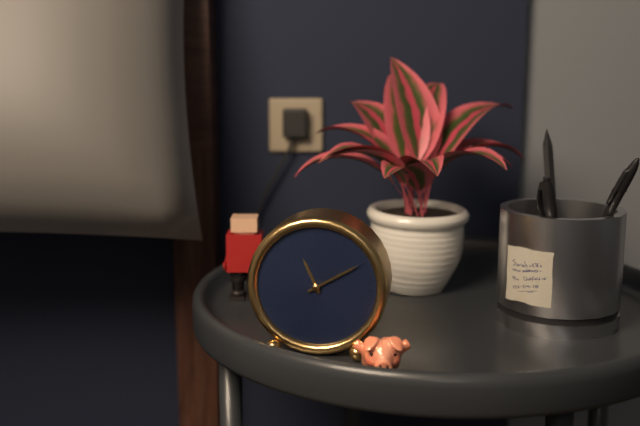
11 h 10 min
